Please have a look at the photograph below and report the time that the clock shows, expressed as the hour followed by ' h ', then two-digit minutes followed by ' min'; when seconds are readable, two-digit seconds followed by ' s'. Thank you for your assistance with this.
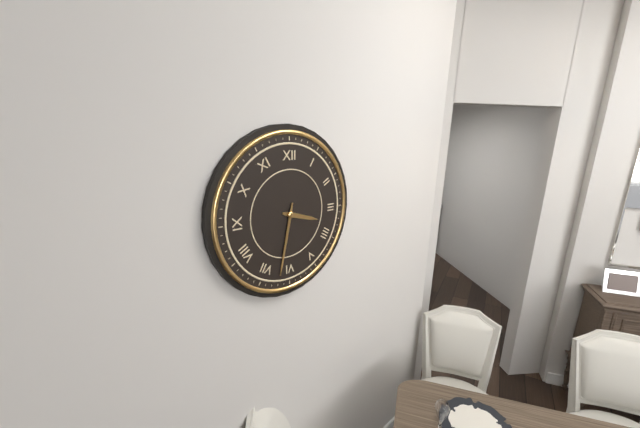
3 h 32 min
